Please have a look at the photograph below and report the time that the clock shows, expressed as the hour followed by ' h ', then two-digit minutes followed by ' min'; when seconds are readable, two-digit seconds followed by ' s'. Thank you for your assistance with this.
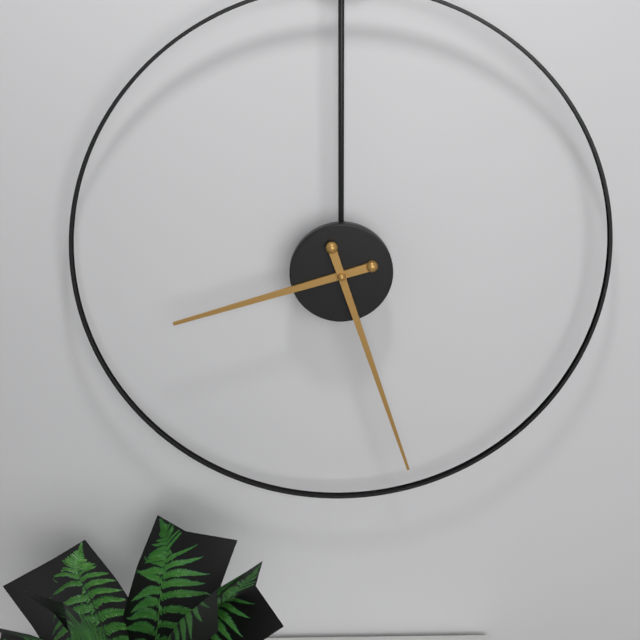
8 h 27 min
